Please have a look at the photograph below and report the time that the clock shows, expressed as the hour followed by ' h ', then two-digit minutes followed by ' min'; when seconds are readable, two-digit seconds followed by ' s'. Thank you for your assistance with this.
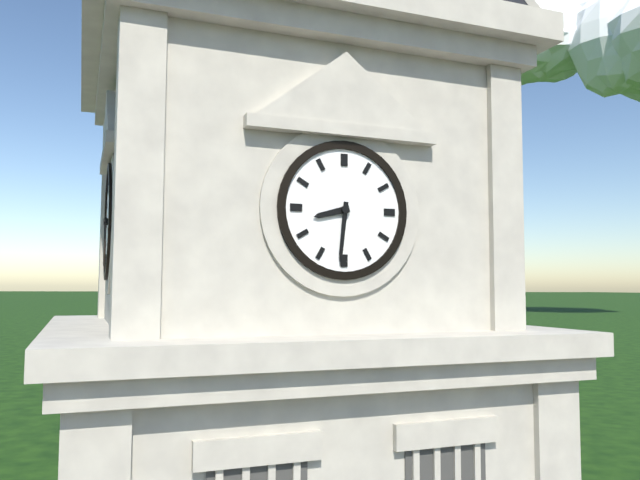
8 h 31 min
